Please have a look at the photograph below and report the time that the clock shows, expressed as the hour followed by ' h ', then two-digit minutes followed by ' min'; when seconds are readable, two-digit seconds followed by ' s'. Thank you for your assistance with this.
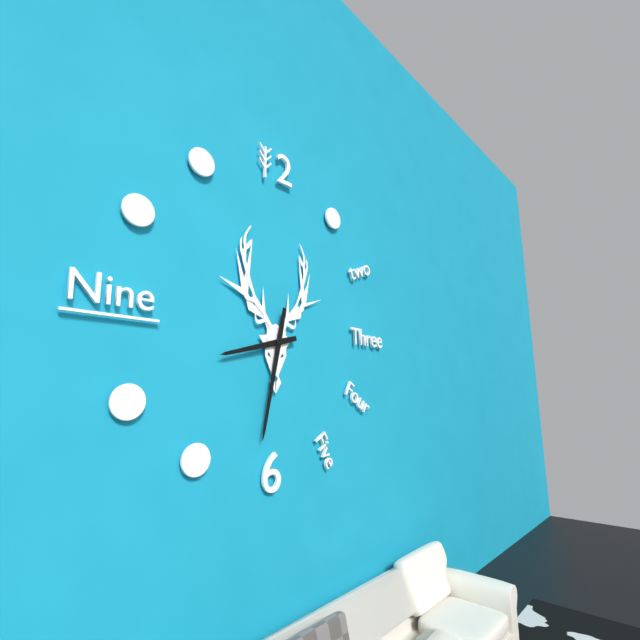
8 h 32 min
